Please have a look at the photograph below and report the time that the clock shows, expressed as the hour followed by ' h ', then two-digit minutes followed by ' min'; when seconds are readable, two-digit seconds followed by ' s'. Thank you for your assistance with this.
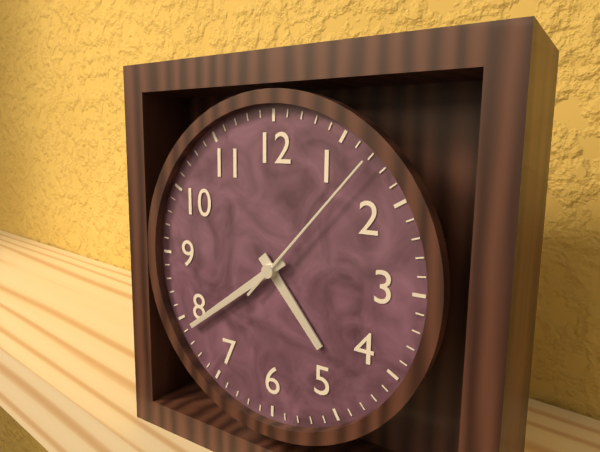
4 h 39 min 07 s
